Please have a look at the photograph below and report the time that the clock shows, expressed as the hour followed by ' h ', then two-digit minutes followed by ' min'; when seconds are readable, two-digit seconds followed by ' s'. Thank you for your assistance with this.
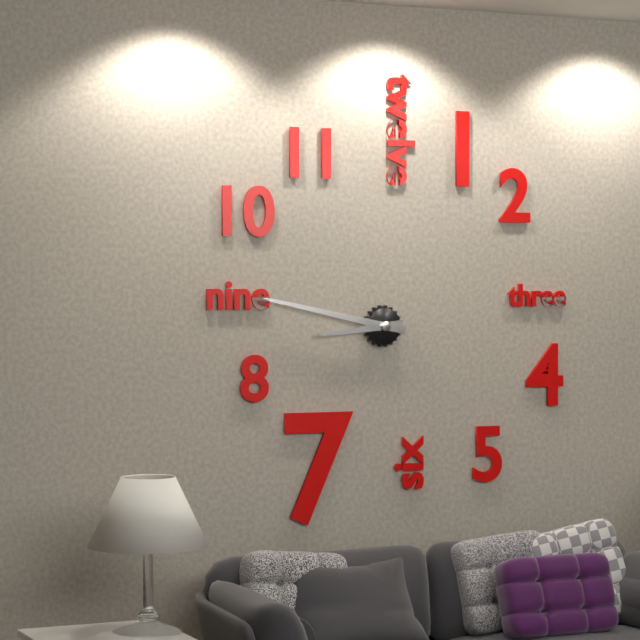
8 h 47 min
